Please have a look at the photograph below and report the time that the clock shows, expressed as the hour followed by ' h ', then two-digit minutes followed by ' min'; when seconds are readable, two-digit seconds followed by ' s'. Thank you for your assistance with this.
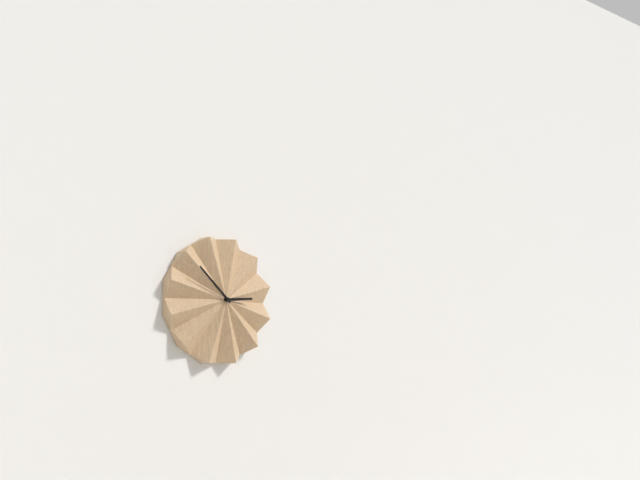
2 h 52 min
